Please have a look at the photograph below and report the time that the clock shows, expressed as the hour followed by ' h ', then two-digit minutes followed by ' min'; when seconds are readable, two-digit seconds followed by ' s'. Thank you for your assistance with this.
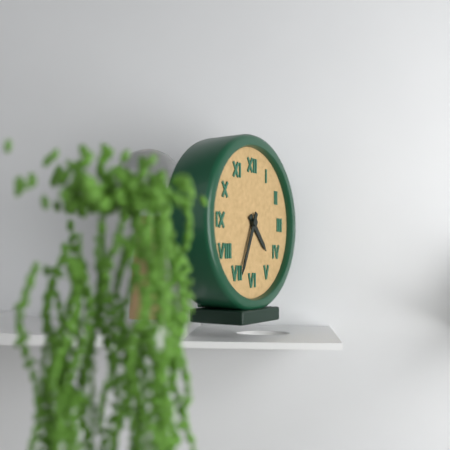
4 h 34 min
